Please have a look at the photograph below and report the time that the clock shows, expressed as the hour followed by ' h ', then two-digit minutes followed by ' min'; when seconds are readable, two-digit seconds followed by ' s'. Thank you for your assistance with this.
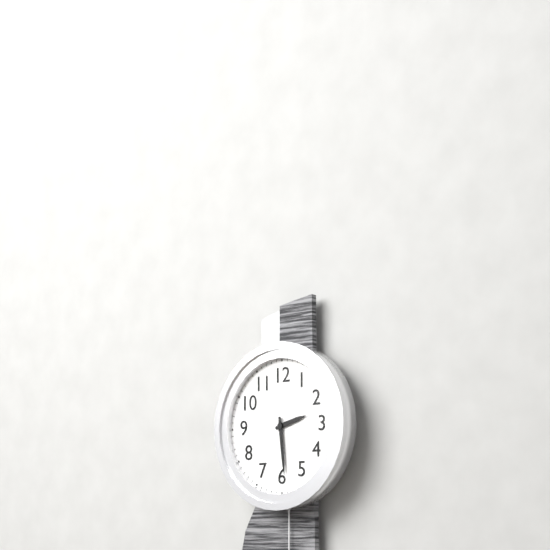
2 h 29 min
